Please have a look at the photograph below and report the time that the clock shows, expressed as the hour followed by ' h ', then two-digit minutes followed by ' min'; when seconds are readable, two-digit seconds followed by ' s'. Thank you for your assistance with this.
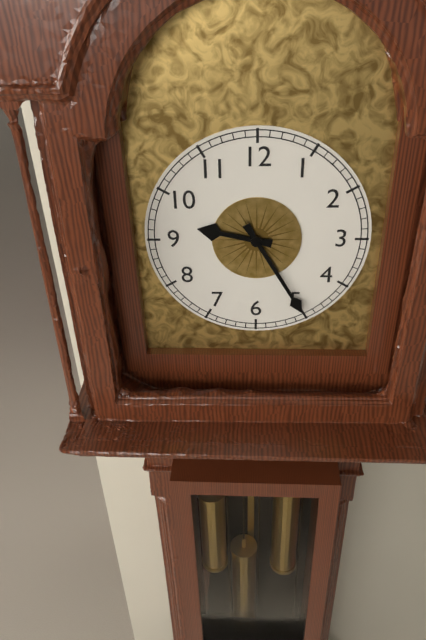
9 h 25 min
